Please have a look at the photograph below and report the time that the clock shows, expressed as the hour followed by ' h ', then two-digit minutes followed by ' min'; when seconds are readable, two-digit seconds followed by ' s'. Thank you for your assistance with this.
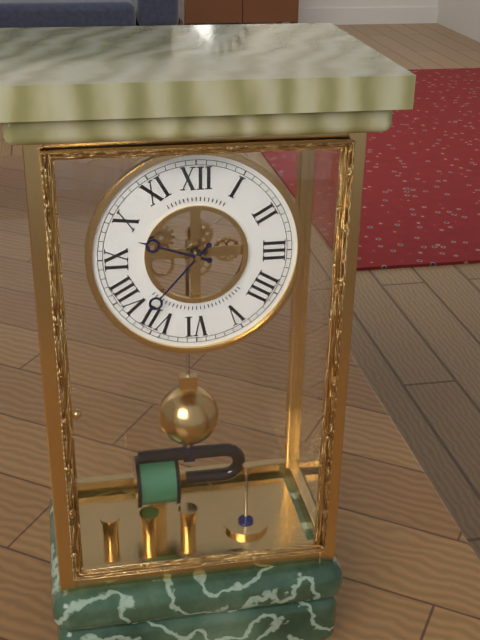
9 h 37 min
